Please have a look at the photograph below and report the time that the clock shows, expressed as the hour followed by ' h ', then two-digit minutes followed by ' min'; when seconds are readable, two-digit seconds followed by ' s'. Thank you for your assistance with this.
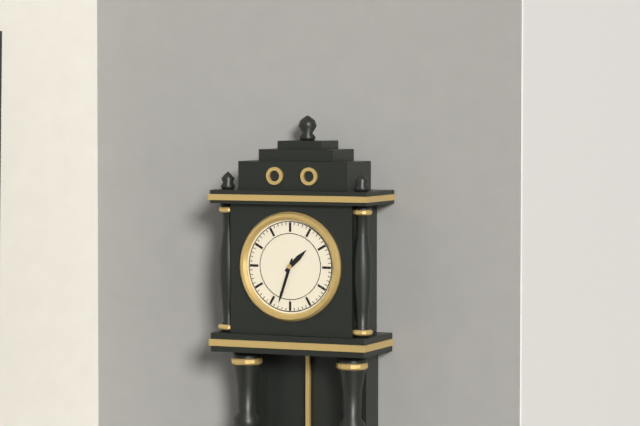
1 h 33 min
